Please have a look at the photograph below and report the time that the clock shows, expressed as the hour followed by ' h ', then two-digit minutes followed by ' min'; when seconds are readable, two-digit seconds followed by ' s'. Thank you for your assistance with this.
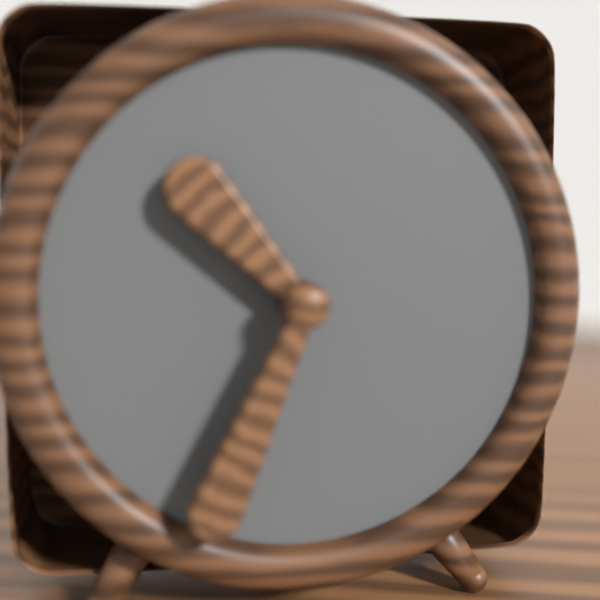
10 h 34 min
